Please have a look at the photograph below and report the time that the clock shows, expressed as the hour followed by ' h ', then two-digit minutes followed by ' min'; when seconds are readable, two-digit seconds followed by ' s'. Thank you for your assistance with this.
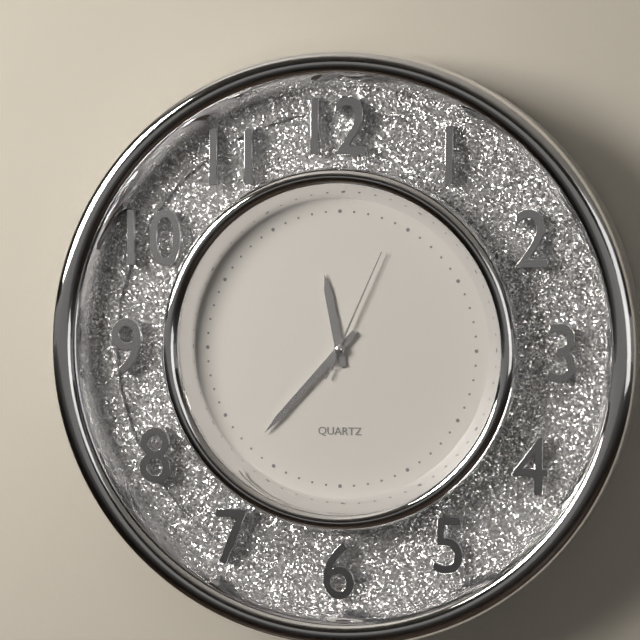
11 h 37 min 04 s
